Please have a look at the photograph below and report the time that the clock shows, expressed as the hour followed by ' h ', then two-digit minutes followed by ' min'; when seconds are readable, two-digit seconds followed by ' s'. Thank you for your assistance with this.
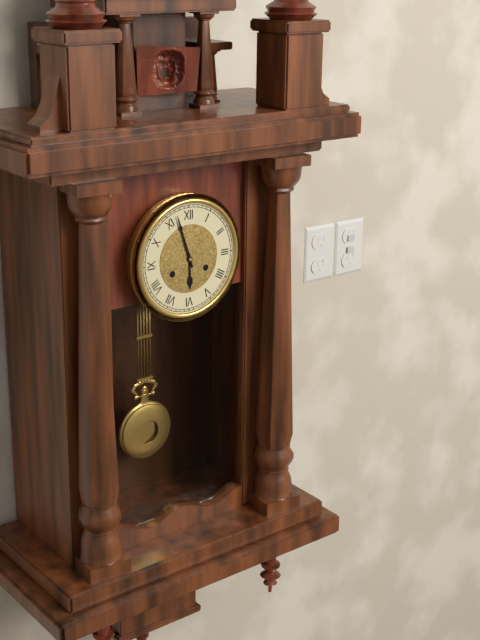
5 h 57 min
